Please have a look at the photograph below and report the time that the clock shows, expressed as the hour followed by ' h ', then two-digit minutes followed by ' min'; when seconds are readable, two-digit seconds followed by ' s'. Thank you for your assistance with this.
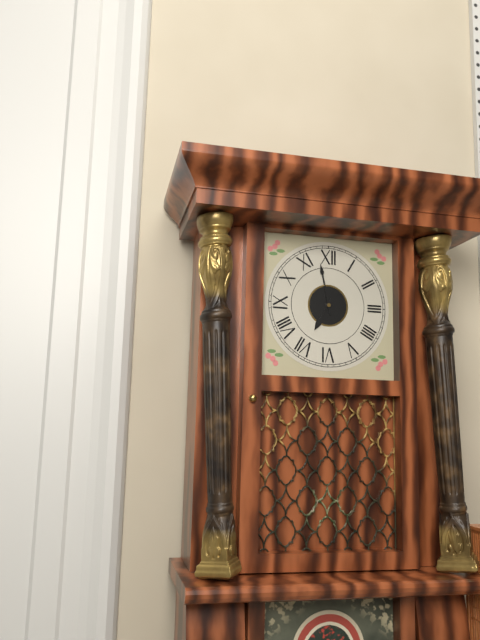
6 h 58 min
